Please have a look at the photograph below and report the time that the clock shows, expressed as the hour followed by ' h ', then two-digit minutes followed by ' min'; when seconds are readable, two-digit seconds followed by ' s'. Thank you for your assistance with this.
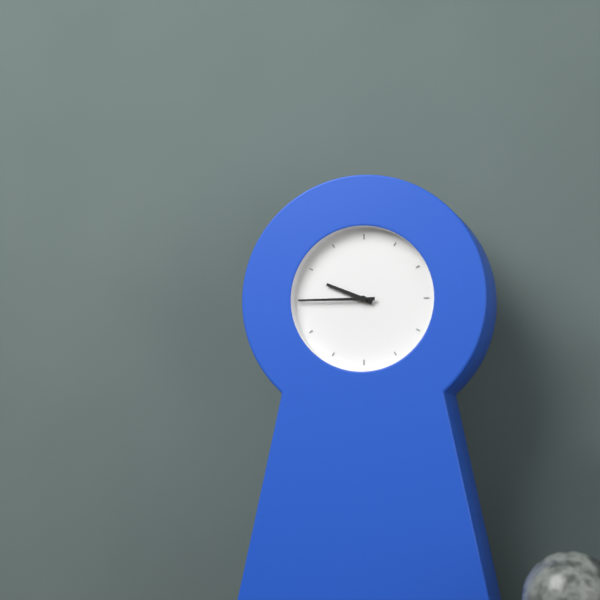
9 h 45 min
